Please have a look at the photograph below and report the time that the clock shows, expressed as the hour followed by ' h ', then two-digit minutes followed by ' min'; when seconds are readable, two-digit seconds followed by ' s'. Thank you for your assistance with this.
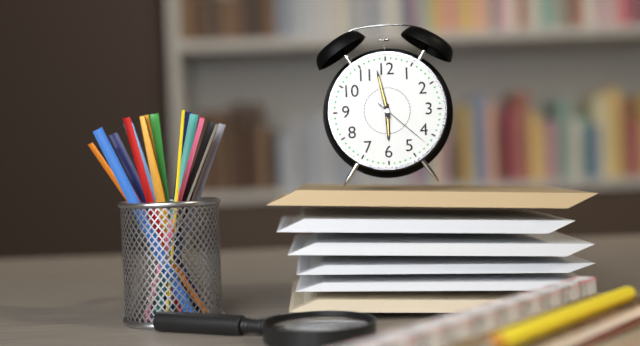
5 h 58 min 22 s
